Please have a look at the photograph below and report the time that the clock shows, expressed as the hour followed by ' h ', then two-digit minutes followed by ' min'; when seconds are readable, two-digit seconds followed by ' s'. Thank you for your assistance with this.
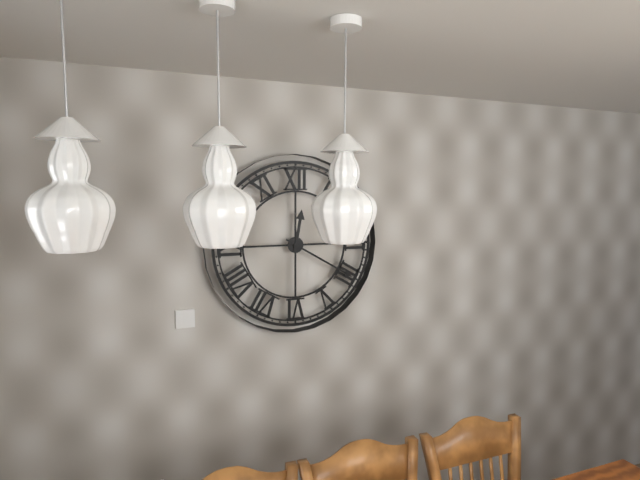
12 h 20 min
